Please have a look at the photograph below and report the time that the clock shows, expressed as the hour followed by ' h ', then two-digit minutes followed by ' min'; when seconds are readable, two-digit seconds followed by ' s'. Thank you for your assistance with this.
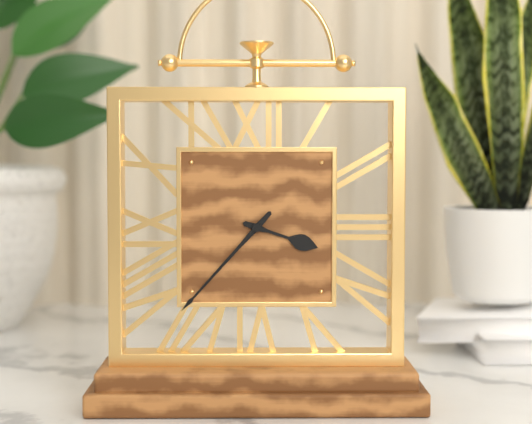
3 h 37 min
